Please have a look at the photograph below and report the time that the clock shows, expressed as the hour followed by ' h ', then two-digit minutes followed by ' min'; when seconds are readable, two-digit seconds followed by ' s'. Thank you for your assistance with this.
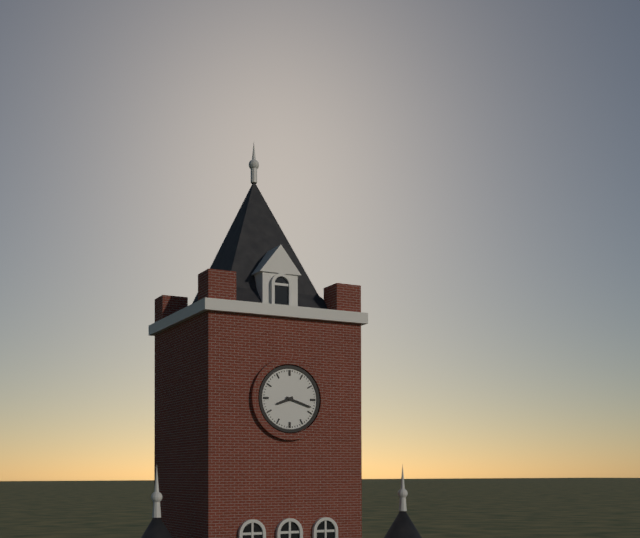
8 h 18 min
